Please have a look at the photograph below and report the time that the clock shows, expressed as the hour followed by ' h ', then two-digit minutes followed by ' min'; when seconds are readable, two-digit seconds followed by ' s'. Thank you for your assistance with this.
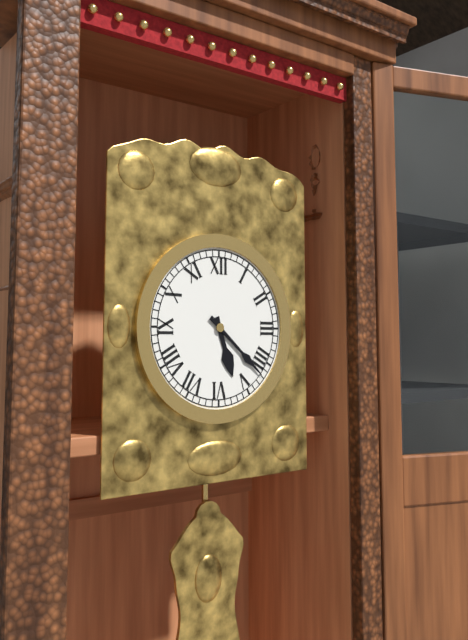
5 h 22 min
